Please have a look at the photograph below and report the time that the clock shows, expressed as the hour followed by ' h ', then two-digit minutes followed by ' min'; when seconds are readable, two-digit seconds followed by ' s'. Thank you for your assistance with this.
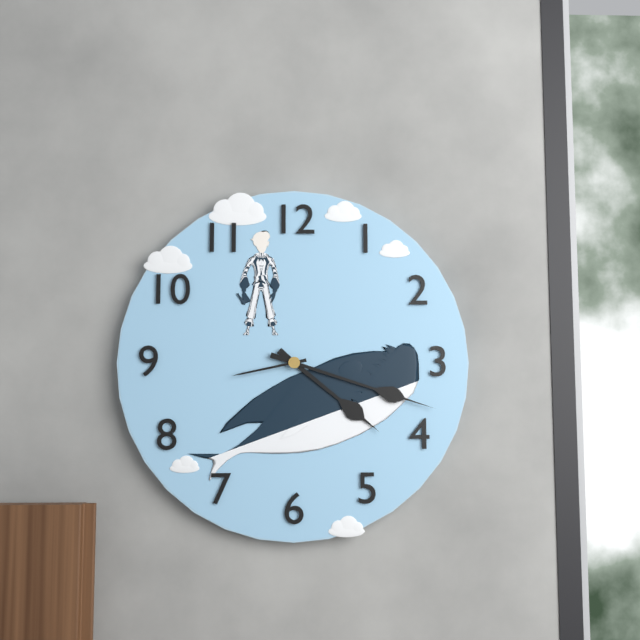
4 h 18 min 43 s
